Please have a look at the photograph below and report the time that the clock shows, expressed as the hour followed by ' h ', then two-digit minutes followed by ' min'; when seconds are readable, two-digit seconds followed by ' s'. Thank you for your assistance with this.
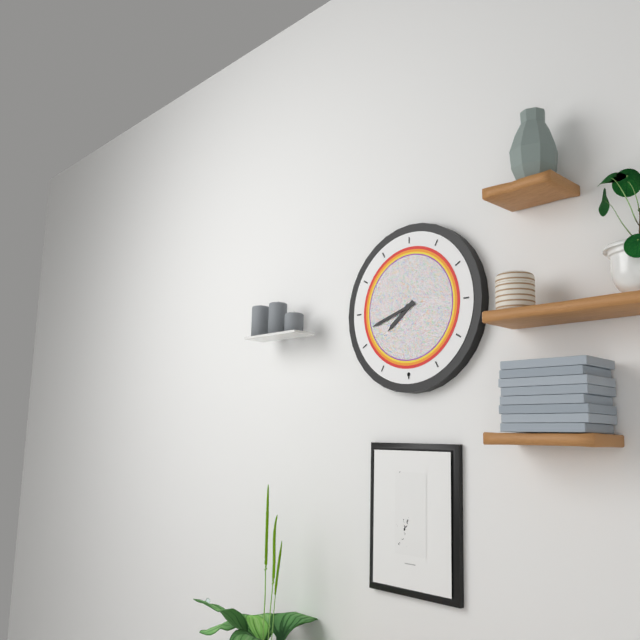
7 h 42 min
